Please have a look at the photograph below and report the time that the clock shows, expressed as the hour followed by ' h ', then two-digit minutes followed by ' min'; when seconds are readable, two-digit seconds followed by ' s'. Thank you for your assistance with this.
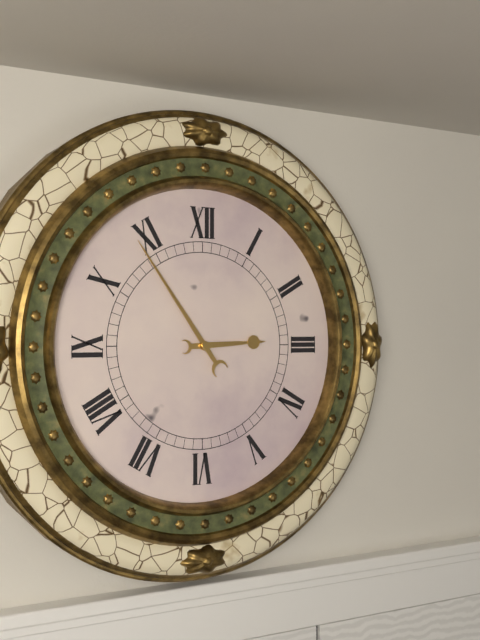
2 h 54 min
